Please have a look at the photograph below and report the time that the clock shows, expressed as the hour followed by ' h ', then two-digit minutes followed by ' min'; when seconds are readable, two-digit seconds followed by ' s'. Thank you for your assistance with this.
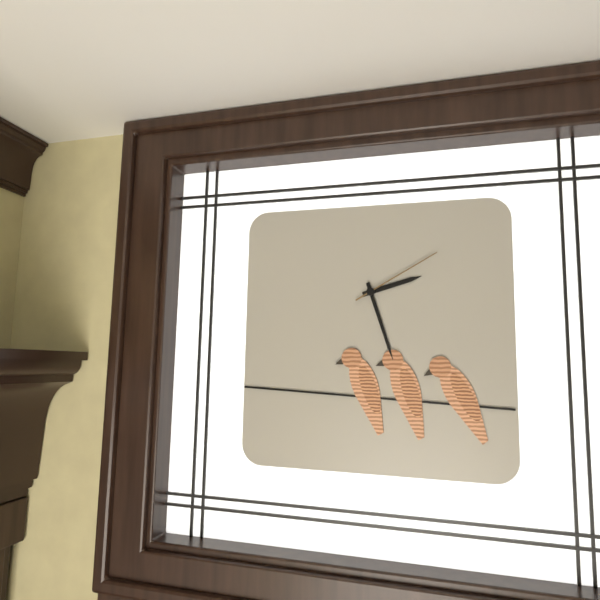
2 h 27 min 10 s
